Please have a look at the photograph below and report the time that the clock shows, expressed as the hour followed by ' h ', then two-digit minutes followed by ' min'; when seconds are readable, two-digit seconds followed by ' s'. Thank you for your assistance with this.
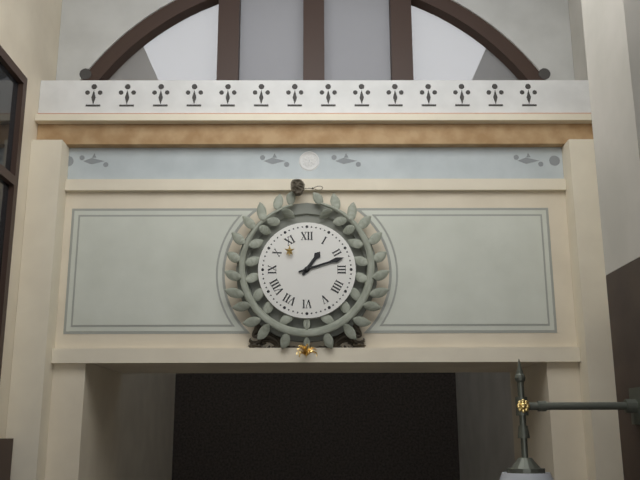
1 h 12 min
